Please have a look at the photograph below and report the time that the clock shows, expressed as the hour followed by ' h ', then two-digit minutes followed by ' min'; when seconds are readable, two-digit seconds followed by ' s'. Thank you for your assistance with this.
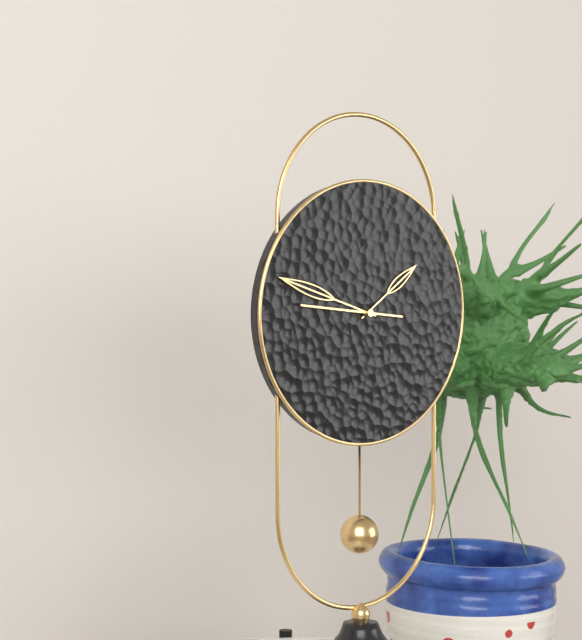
1 h 48 min 46 s
